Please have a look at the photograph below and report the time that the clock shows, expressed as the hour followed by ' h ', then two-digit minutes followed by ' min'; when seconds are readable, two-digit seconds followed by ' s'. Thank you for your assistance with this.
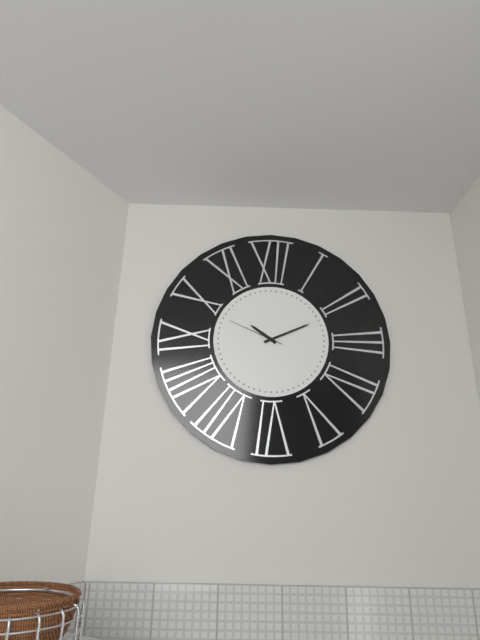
10 h 11 min 49 s
